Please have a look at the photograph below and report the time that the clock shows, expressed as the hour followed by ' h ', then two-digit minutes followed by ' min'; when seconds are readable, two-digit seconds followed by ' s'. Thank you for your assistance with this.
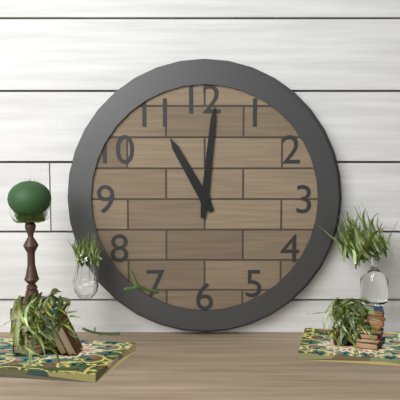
11 h 01 min
